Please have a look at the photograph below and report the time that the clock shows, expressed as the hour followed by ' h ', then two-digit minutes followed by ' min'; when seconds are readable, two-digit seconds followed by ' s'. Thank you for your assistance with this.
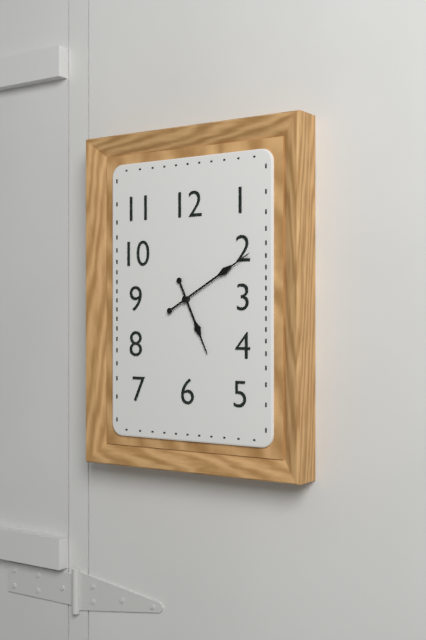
5 h 10 min
